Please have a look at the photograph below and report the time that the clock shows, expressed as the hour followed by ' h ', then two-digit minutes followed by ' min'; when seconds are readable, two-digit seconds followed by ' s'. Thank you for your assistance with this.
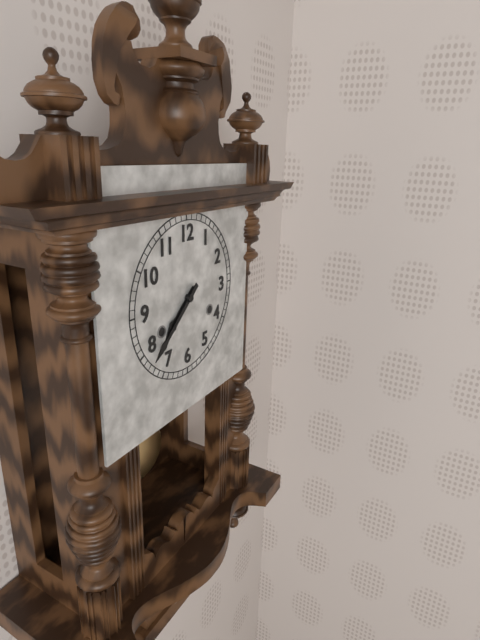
7 h 38 min
